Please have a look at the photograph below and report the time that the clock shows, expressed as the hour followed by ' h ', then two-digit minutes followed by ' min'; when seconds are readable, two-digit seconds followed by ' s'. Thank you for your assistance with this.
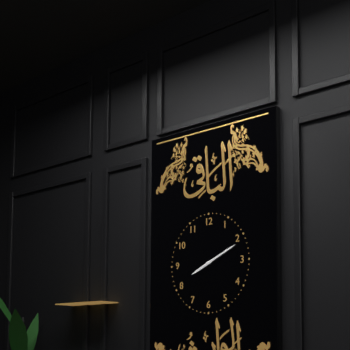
8 h 11 min
